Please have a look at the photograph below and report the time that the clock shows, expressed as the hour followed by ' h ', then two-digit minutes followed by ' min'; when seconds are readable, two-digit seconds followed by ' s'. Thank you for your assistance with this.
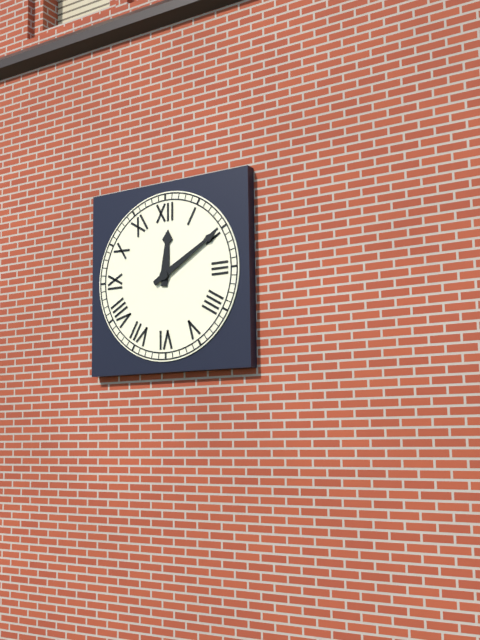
12 h 10 min
